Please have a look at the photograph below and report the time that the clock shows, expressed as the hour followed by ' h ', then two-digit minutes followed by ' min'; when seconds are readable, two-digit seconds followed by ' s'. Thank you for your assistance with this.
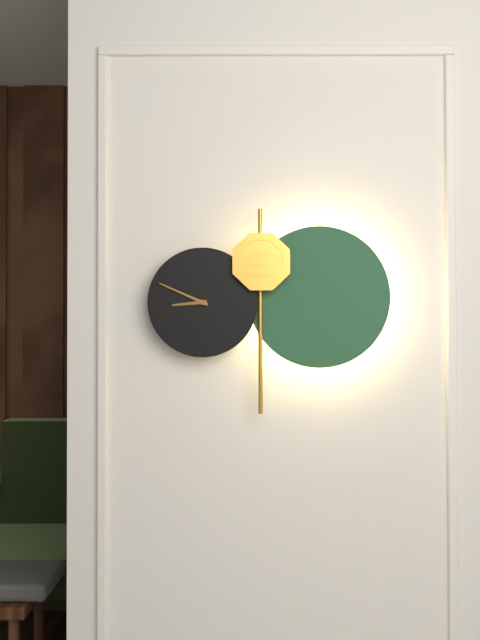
8 h 49 min
